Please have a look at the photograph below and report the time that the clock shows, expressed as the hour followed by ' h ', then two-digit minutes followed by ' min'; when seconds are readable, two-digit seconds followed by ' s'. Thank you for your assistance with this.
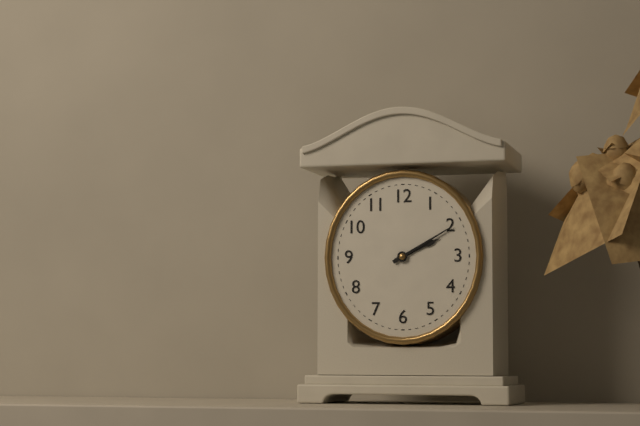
2 h 10 min
